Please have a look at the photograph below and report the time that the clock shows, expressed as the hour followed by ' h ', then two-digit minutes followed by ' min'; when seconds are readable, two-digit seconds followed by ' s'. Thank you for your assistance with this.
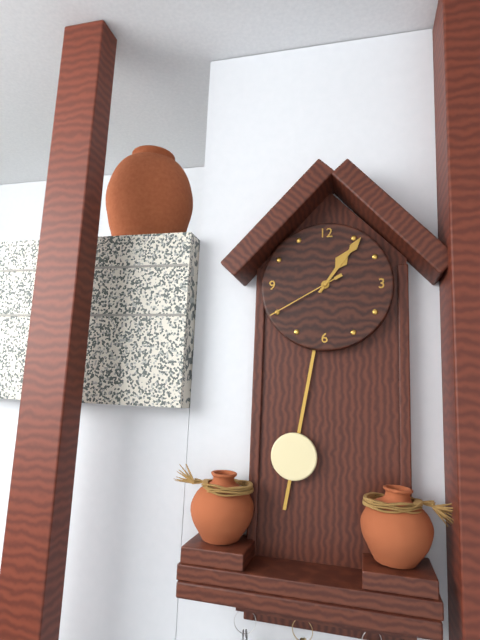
1 h 06 min 40 s
